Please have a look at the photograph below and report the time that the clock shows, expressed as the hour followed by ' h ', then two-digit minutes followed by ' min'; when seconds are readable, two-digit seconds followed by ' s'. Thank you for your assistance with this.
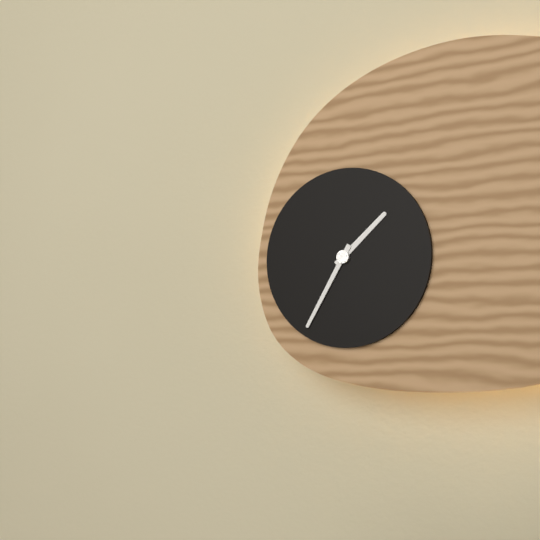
1 h 35 min
